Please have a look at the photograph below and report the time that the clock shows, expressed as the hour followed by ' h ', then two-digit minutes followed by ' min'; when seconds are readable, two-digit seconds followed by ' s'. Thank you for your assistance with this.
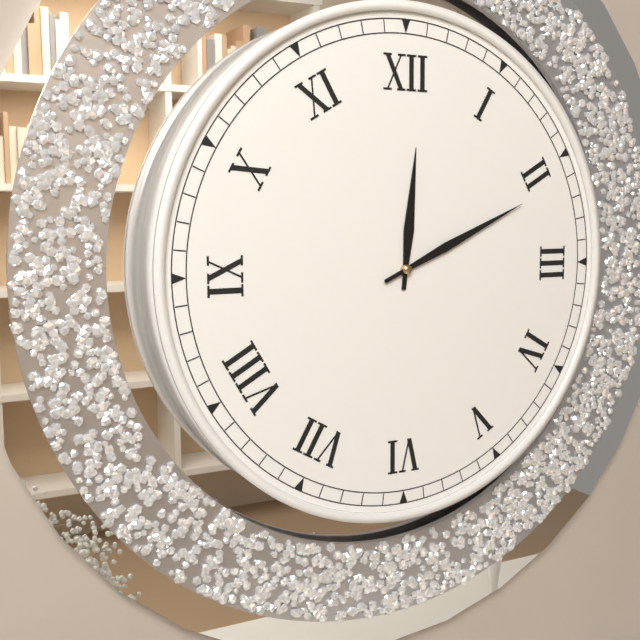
12 h 11 min
